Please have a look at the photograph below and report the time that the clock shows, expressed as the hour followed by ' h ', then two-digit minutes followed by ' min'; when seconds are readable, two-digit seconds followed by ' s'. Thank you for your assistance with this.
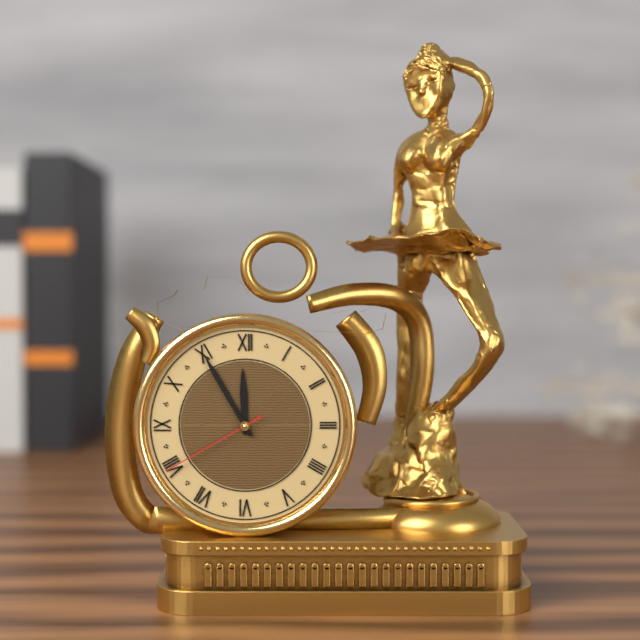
11 h 55 min 40 s
